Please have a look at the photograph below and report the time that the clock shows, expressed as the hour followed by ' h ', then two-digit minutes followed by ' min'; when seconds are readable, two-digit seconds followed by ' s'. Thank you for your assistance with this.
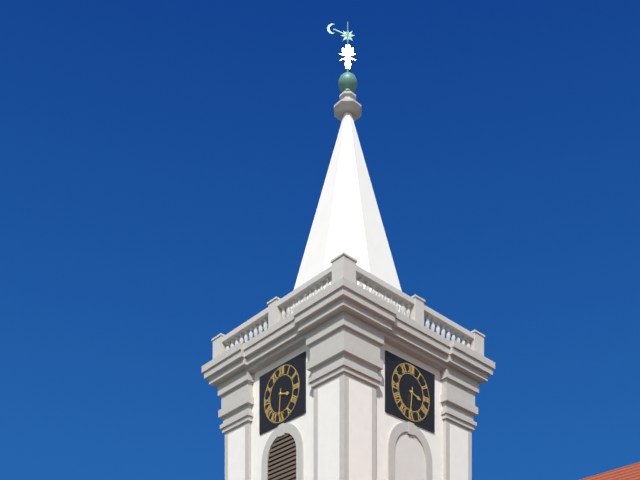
3 h 31 min
